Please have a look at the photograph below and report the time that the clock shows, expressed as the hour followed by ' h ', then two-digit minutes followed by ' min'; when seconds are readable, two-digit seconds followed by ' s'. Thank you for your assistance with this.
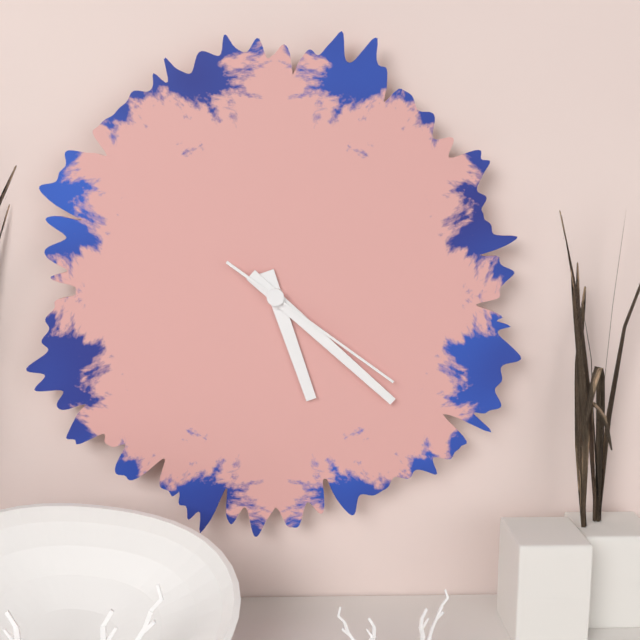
5 h 22 min 21 s
